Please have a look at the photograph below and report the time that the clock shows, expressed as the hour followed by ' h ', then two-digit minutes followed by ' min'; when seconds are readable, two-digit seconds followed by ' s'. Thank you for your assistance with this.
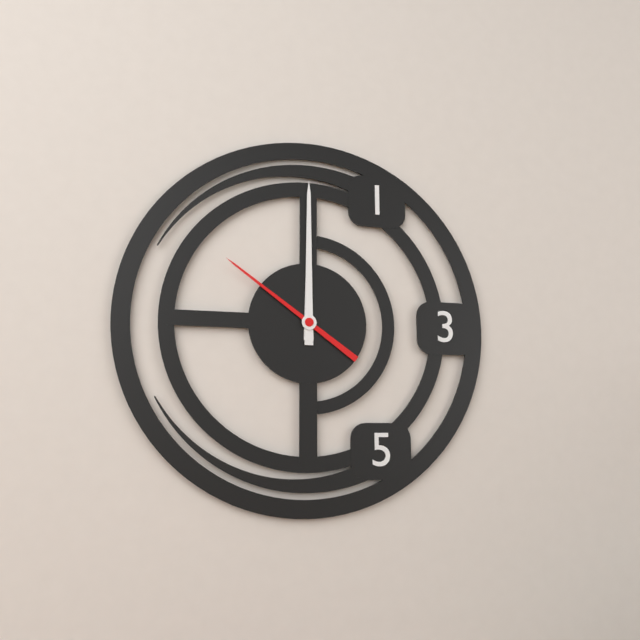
12 h 00 min 51 s
